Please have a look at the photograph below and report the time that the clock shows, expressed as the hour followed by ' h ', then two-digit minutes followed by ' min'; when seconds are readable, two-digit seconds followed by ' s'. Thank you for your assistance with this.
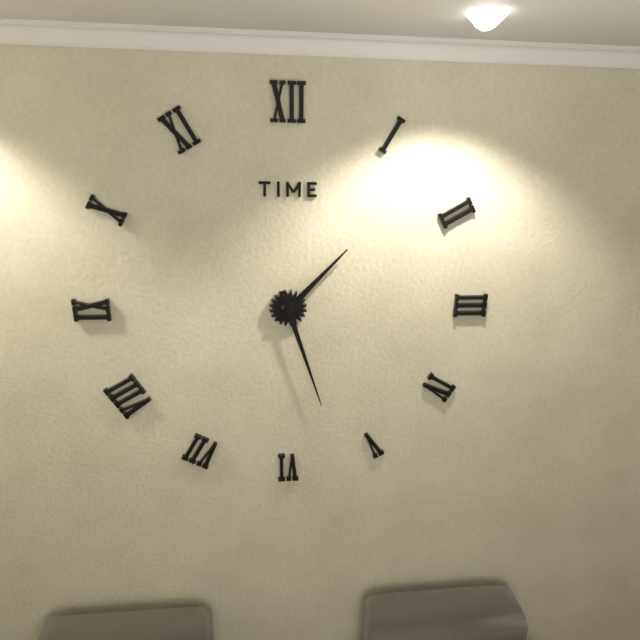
1 h 27 min
